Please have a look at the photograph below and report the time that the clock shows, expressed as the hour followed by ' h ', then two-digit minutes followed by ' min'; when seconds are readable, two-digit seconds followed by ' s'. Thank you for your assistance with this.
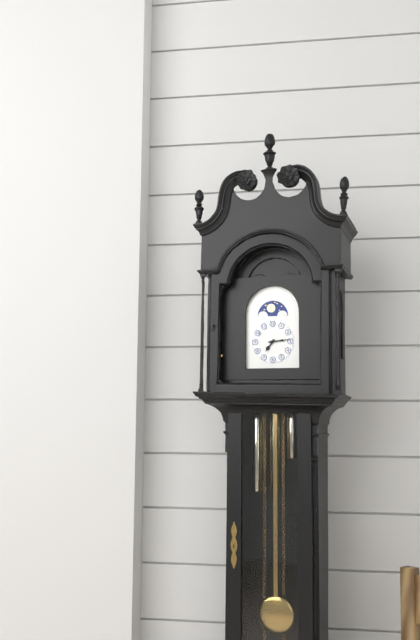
7 h 14 min
